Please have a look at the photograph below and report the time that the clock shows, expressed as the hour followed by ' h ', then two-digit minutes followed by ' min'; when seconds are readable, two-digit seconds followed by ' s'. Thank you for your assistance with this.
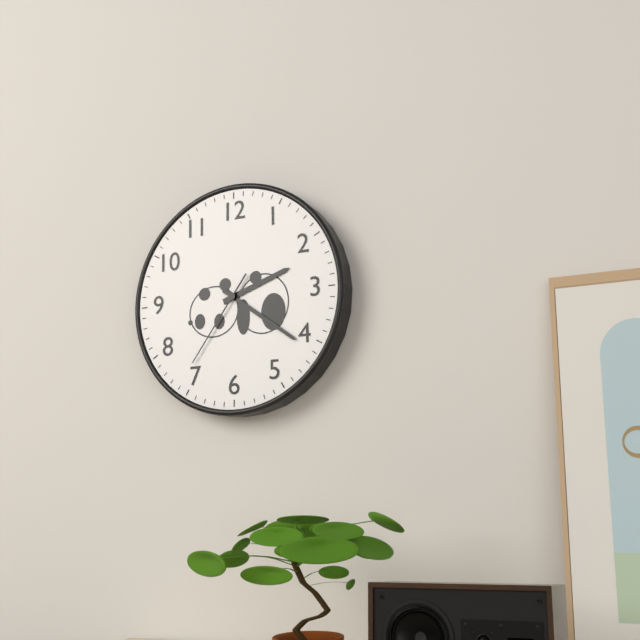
2 h 21 min 36 s
